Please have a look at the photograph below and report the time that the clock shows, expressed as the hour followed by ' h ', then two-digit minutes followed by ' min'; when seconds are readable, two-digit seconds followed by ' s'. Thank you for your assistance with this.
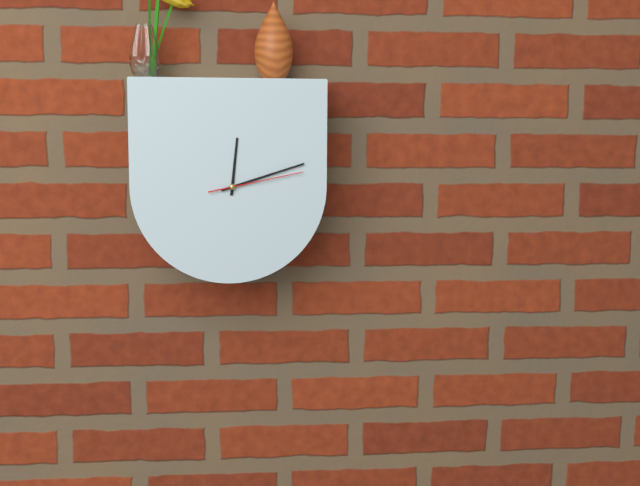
12 h 12 min 13 s
